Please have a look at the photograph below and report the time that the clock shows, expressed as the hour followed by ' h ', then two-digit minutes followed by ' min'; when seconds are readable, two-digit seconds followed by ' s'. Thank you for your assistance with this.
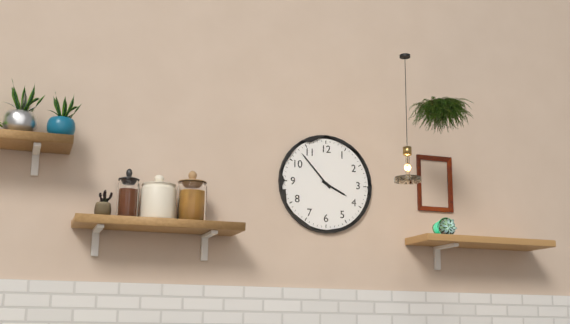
3 h 53 min
